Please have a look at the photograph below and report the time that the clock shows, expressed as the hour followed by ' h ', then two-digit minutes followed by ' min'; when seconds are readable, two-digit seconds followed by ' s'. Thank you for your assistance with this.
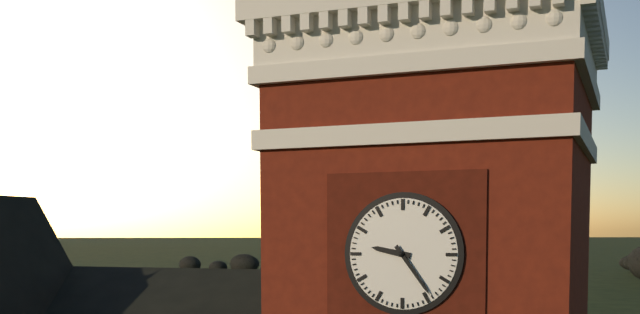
9 h 24 min
